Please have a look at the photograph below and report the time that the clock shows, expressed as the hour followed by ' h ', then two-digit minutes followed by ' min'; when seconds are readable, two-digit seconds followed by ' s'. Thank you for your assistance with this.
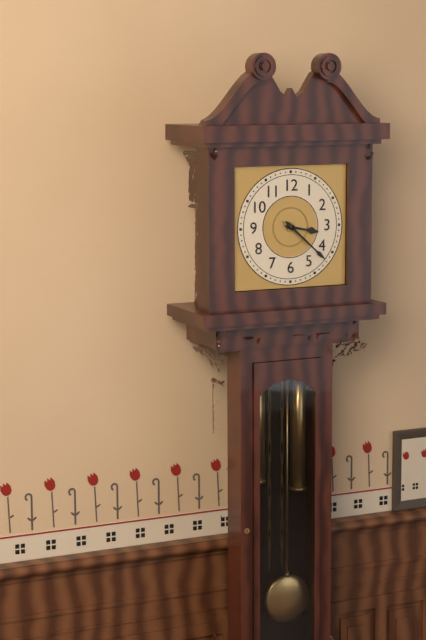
3 h 22 min
